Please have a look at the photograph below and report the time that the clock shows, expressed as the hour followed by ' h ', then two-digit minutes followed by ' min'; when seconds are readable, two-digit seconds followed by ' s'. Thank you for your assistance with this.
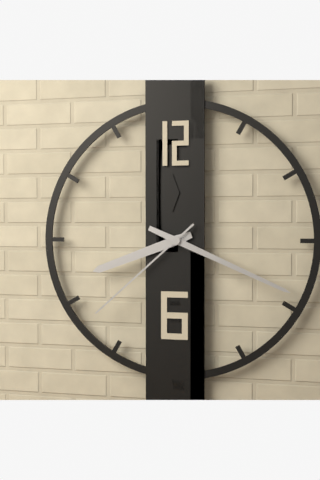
8 h 19 min 38 s
